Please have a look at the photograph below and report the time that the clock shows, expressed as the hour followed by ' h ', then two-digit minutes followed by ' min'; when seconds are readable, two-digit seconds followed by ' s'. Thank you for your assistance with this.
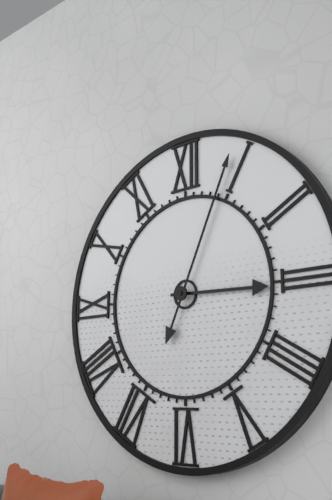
3 h 04 min
